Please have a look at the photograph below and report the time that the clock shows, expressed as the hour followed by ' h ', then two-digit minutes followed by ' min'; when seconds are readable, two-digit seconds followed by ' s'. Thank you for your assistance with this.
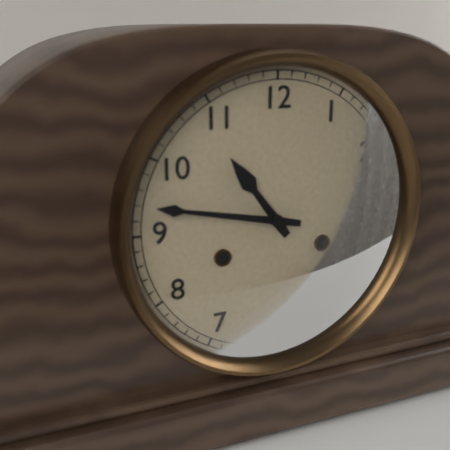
10 h 47 min
